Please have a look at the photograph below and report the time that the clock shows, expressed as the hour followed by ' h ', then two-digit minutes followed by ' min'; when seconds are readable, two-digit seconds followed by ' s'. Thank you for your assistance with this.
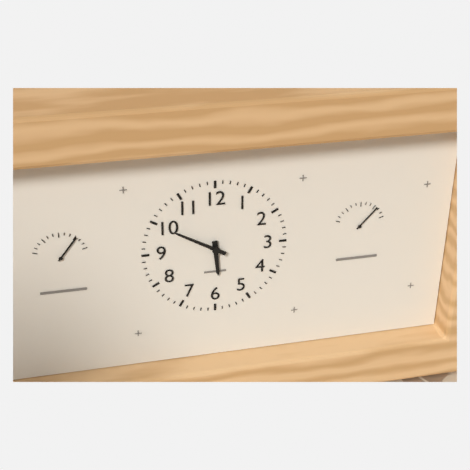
5 h 50 min
